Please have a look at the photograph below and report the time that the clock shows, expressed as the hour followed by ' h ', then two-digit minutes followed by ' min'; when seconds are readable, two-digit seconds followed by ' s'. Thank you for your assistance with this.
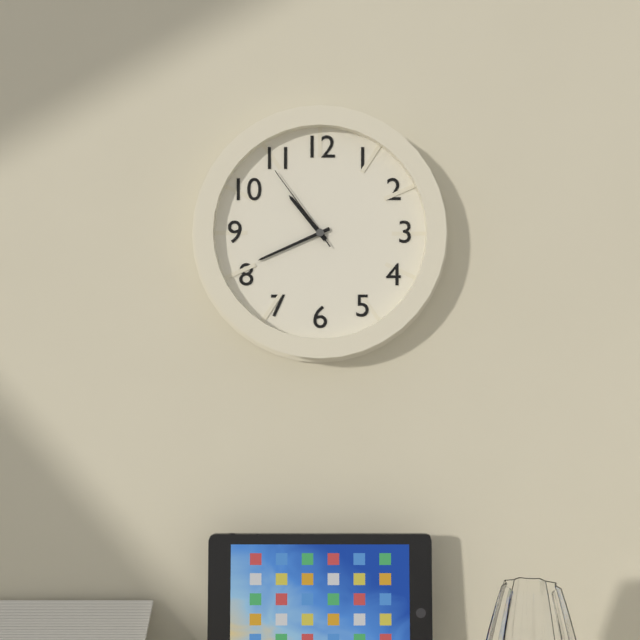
10 h 41 min 54 s
